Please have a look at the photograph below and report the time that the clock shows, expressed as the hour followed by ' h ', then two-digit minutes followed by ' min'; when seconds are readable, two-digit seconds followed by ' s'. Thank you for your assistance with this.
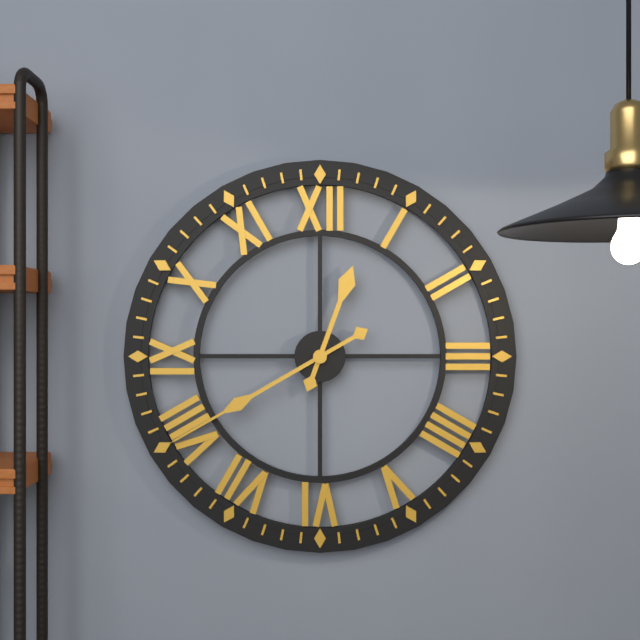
12 h 40 min
